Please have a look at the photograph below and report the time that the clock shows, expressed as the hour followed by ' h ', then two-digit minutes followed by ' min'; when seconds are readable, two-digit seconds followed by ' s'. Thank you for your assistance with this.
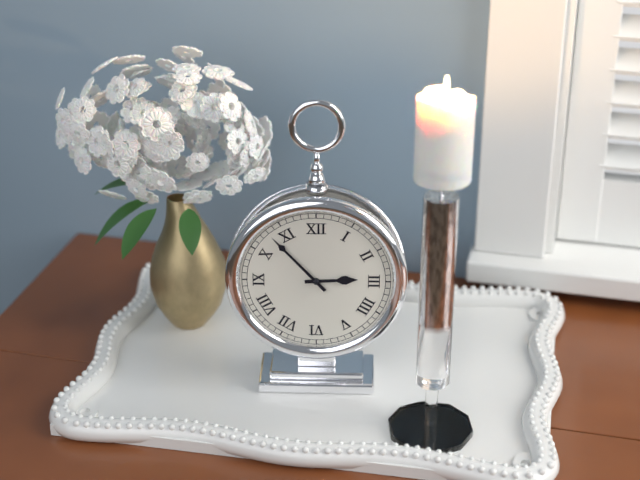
2 h 53 min
